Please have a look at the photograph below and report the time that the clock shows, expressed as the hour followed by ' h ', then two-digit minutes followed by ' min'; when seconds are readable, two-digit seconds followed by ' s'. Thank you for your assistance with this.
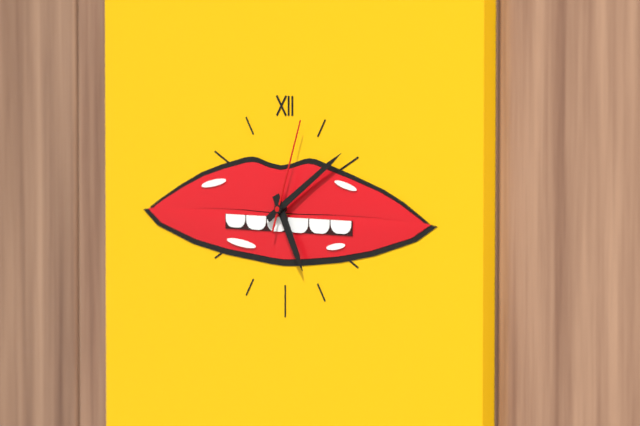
5 h 09 min 03 s
